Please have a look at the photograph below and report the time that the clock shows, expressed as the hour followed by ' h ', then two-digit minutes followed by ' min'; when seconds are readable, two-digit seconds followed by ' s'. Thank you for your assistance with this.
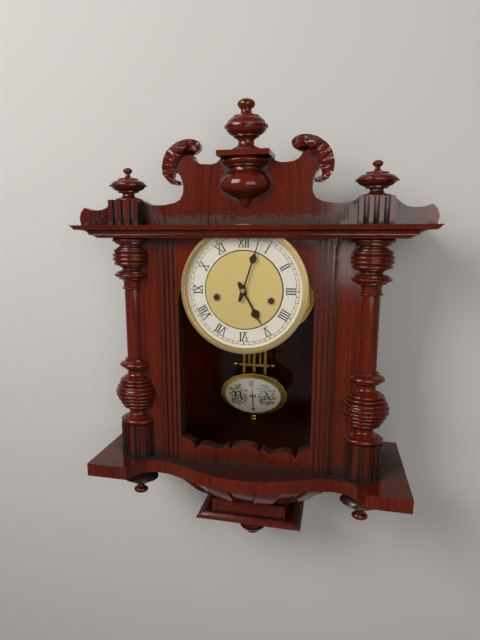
5 h 03 min
